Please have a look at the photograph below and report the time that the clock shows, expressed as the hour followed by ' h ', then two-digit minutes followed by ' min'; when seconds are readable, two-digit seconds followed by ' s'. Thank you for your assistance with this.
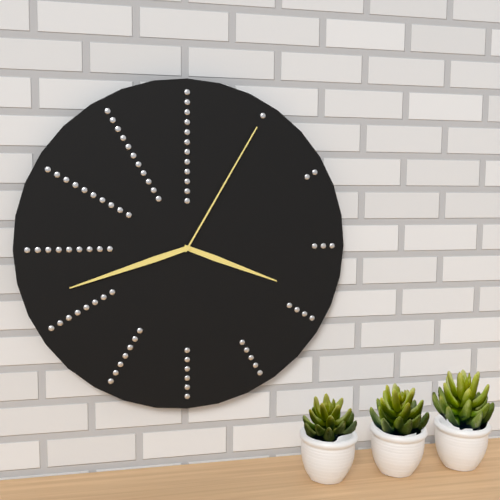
3 h 42 min 05 s
